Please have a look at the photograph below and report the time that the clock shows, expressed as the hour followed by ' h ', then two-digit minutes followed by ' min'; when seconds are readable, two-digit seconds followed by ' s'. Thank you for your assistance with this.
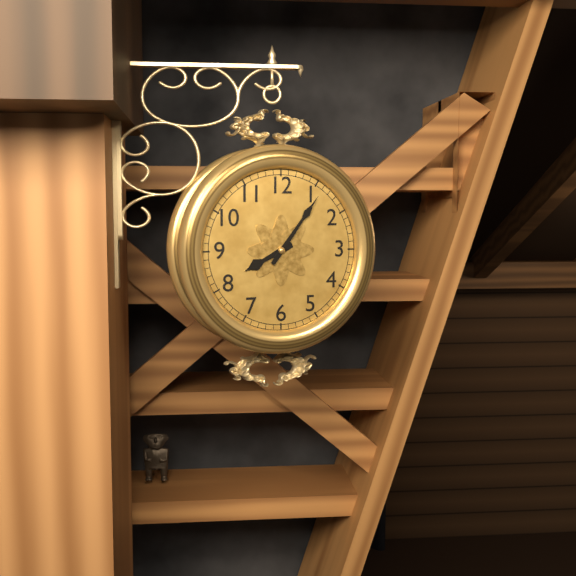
8 h 06 min
